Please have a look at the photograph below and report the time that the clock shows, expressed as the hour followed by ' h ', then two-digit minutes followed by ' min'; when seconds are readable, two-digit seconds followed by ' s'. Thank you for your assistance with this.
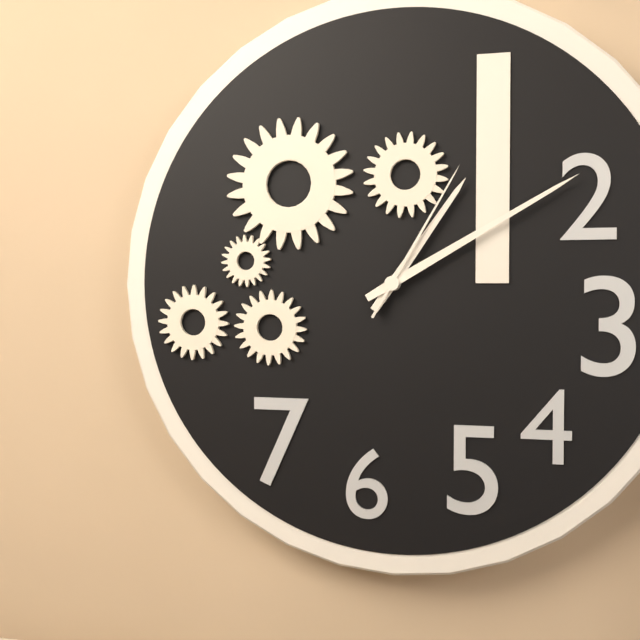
1 h 10 min 05 s
